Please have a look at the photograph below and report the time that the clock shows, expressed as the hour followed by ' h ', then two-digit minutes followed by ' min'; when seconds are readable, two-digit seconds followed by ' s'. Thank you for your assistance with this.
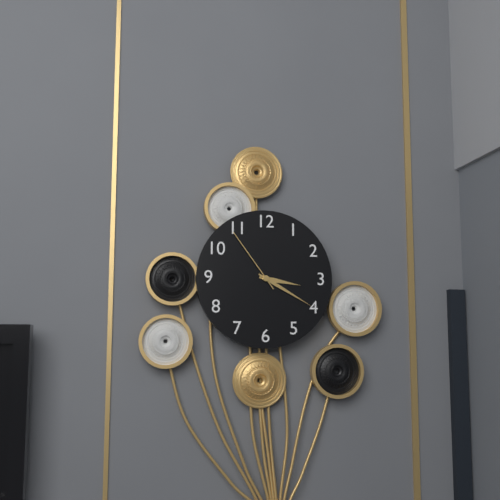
3 h 20 min 54 s
